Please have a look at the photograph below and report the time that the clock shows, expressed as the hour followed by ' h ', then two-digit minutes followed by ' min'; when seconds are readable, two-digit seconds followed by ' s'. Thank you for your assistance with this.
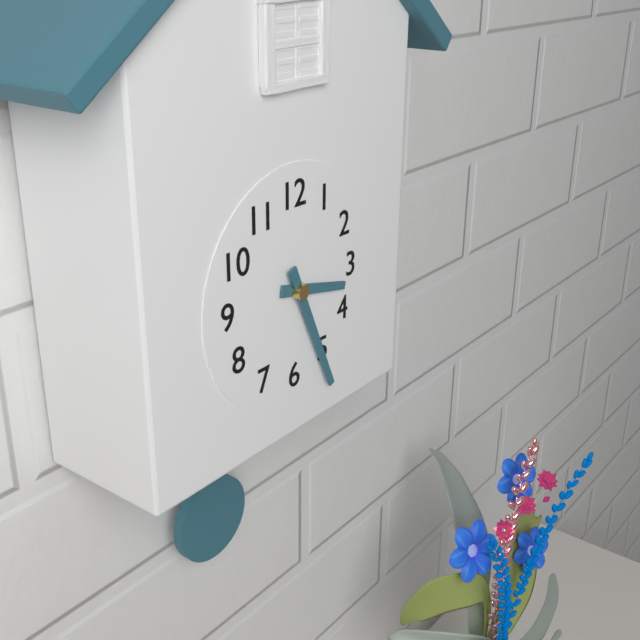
3 h 26 min
